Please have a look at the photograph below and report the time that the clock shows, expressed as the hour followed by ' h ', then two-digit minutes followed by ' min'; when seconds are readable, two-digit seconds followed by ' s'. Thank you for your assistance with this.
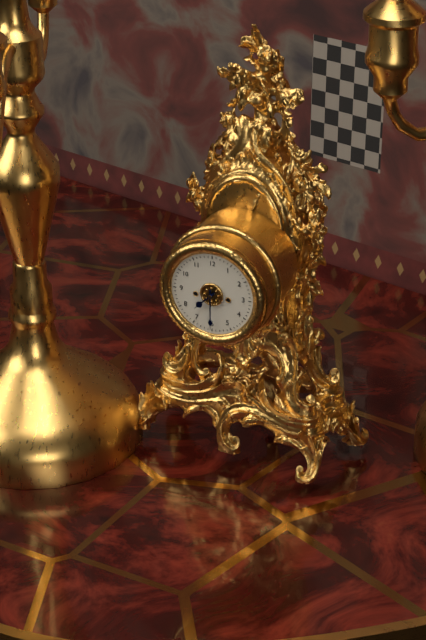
7 h 30 min
